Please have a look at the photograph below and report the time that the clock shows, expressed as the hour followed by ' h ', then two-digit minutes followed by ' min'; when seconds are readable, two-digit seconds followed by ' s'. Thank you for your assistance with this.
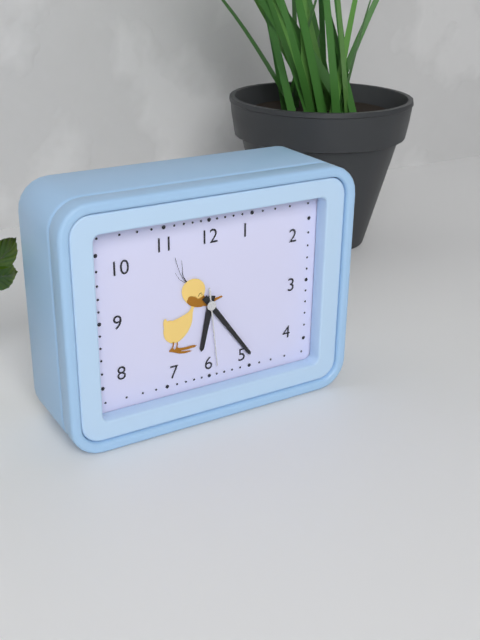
6 h 24 min 29 s
